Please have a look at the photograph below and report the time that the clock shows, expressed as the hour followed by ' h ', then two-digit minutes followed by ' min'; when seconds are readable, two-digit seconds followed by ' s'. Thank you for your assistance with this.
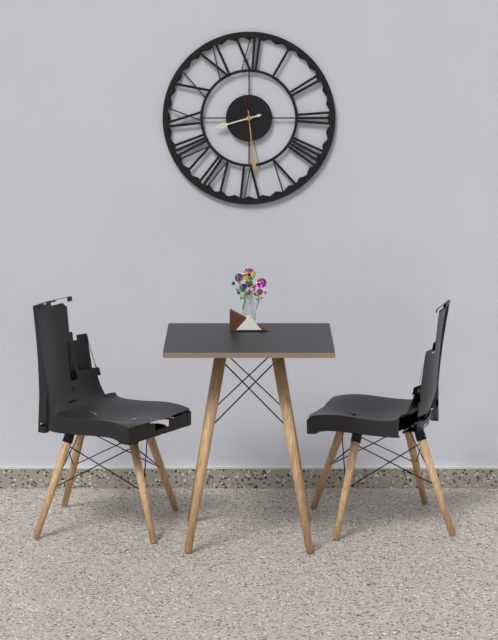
8 h 29 min 28 s
